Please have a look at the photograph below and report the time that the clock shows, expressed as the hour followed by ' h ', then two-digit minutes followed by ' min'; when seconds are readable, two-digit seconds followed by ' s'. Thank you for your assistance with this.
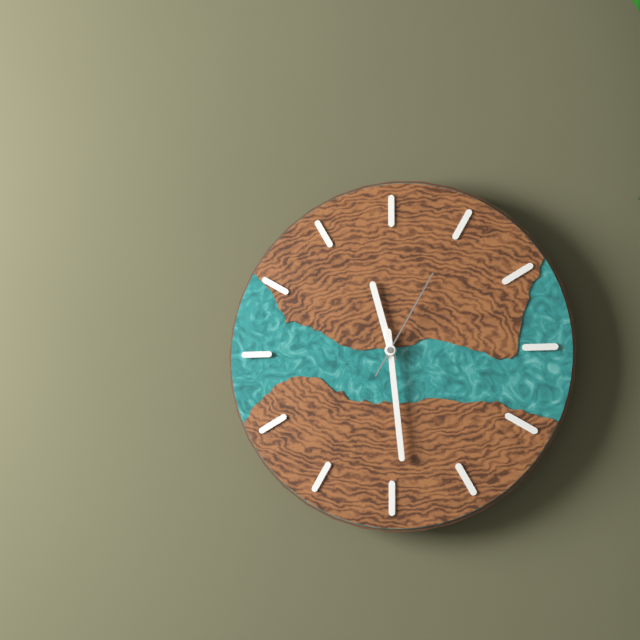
11 h 29 min 05 s
